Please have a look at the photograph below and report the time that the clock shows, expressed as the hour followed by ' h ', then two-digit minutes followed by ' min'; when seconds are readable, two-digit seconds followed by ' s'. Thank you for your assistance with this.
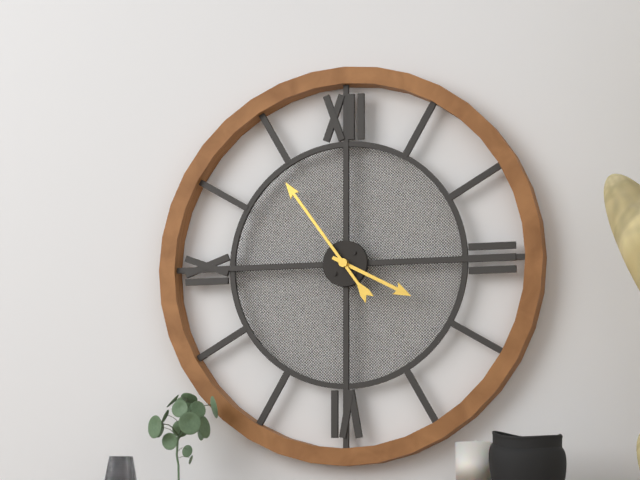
3 h 54 min
